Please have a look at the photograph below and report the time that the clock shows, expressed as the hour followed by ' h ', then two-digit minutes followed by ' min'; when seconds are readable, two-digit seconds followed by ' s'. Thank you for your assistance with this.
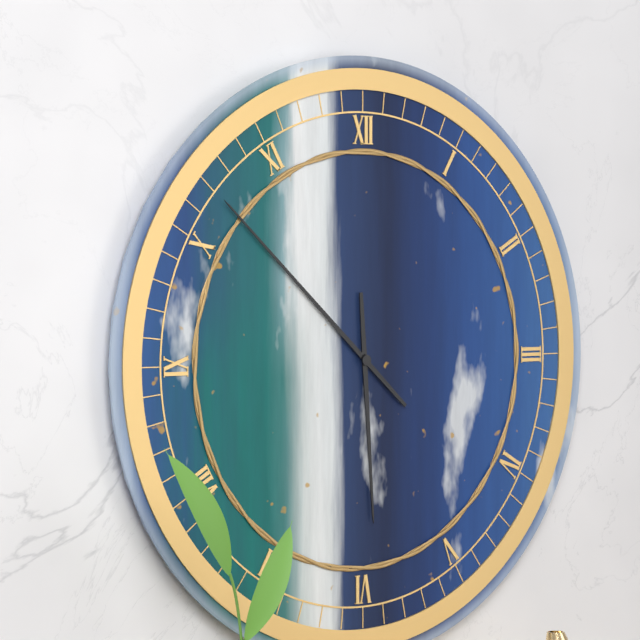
5 h 52 min
